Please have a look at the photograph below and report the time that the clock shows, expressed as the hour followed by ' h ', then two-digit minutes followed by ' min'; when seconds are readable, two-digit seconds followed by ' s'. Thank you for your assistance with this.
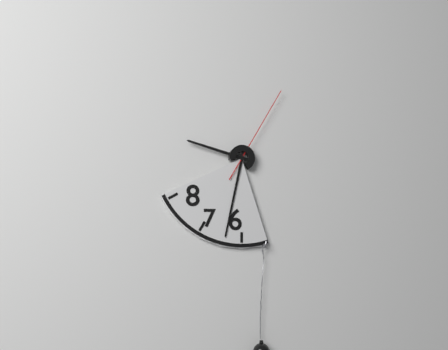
9 h 32 min 05 s
